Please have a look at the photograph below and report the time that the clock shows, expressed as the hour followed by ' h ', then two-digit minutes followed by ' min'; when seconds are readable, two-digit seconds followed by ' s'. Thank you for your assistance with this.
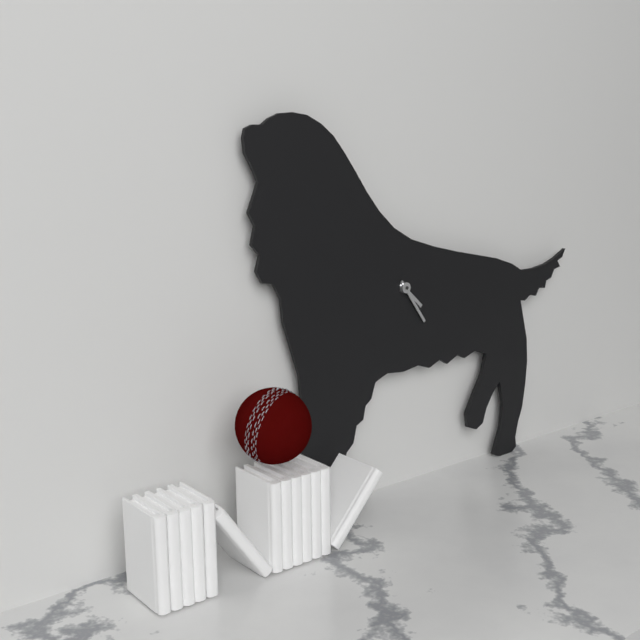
4 h 24 min
